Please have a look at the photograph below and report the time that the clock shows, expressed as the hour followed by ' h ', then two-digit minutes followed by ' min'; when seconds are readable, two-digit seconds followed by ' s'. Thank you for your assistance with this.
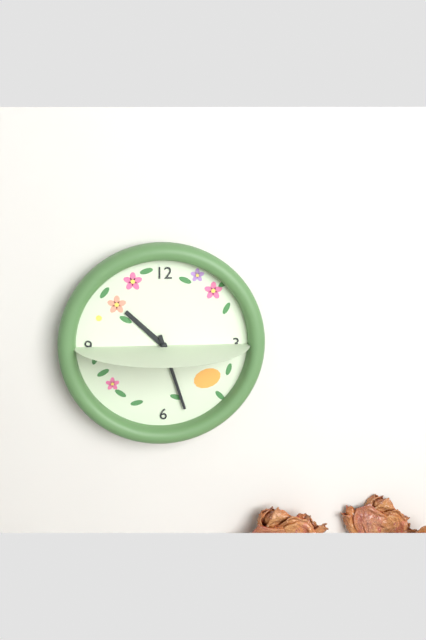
10 h 27 min
